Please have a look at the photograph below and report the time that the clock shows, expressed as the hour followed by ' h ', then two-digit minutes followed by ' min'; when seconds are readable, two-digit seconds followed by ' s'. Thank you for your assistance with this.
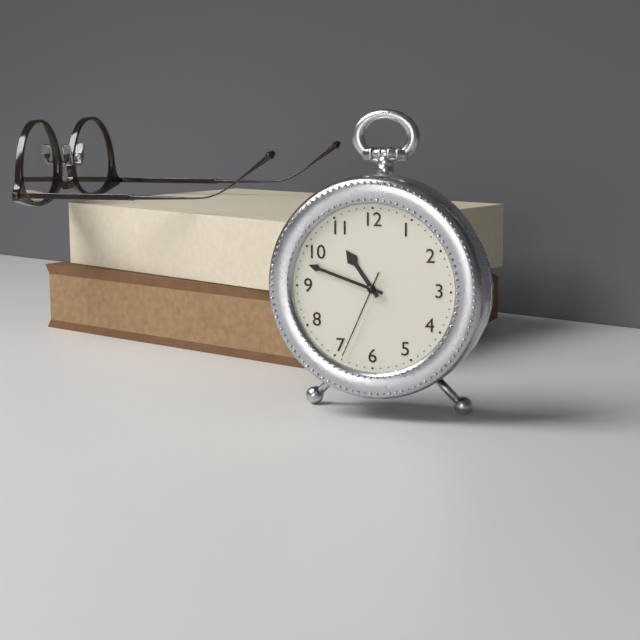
10 h 48 min 34 s
